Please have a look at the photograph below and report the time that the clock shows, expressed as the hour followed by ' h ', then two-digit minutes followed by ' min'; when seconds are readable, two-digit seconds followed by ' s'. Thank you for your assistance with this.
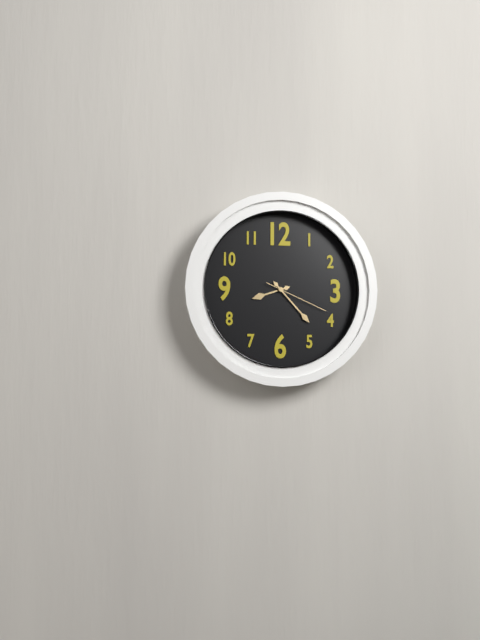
8 h 23 min 19 s
